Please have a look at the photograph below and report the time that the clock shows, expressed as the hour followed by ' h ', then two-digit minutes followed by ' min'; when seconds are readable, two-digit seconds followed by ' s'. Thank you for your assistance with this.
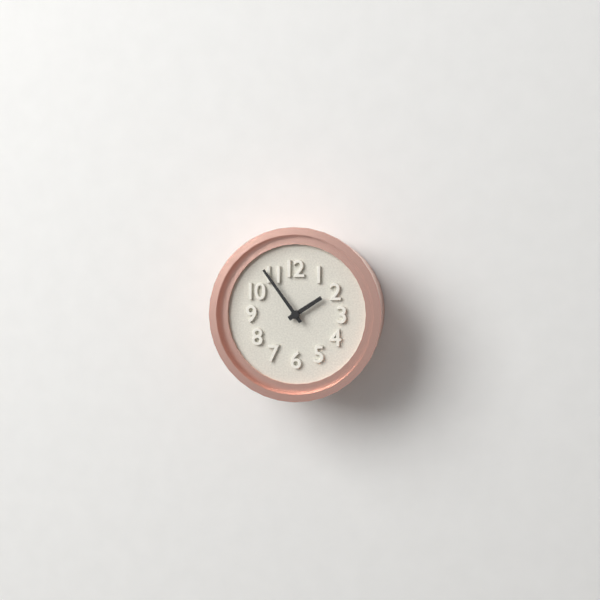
1 h 54 min
